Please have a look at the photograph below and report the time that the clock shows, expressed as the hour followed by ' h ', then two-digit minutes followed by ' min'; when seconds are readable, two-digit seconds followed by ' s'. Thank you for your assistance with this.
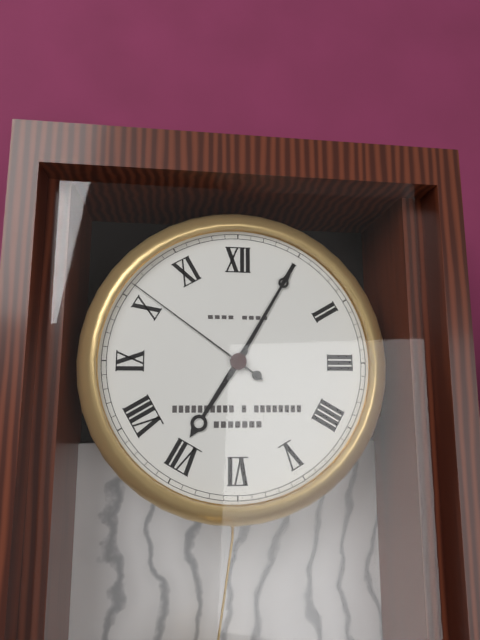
7 h 05 min 51 s
